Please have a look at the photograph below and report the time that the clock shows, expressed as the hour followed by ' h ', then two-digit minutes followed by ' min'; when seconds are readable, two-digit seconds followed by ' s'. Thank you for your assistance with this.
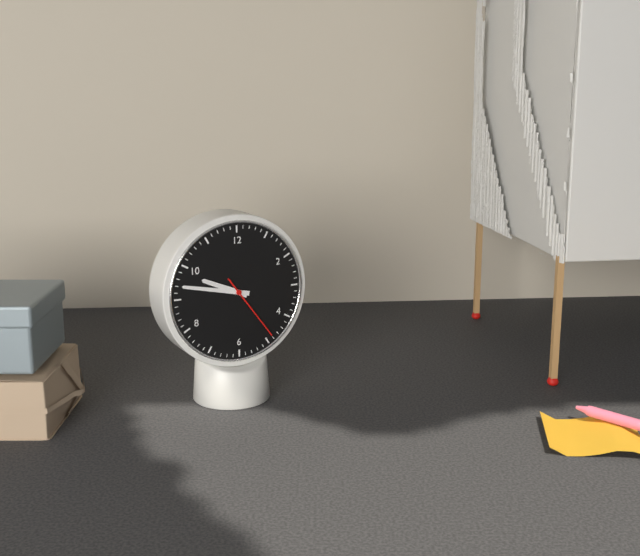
9 h 47 min 24 s
